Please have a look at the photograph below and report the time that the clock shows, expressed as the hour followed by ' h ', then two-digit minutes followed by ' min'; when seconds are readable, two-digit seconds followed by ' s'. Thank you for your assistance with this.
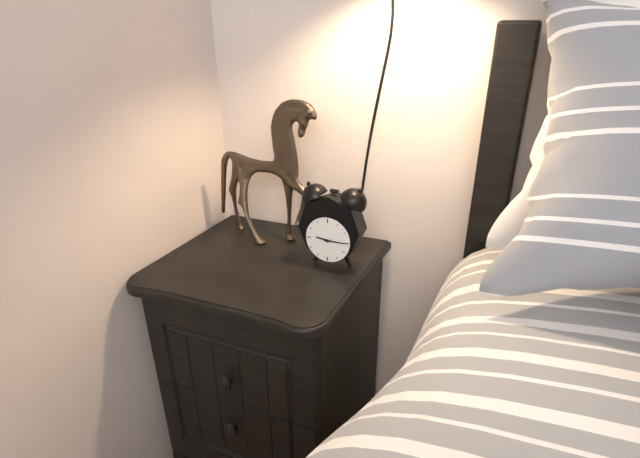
9 h 15 min
